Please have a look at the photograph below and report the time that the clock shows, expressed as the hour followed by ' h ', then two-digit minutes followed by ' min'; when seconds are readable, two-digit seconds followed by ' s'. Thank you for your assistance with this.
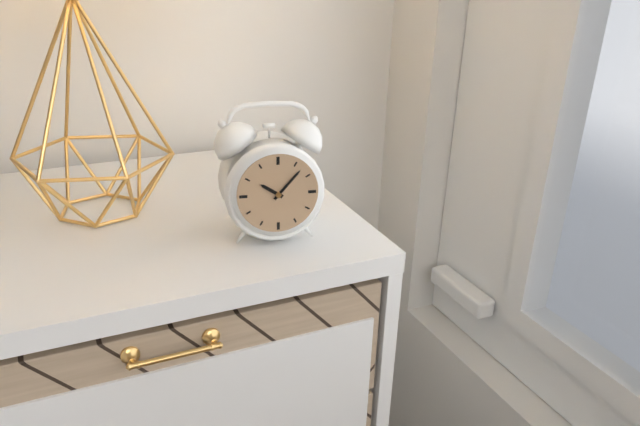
10 h 07 min
